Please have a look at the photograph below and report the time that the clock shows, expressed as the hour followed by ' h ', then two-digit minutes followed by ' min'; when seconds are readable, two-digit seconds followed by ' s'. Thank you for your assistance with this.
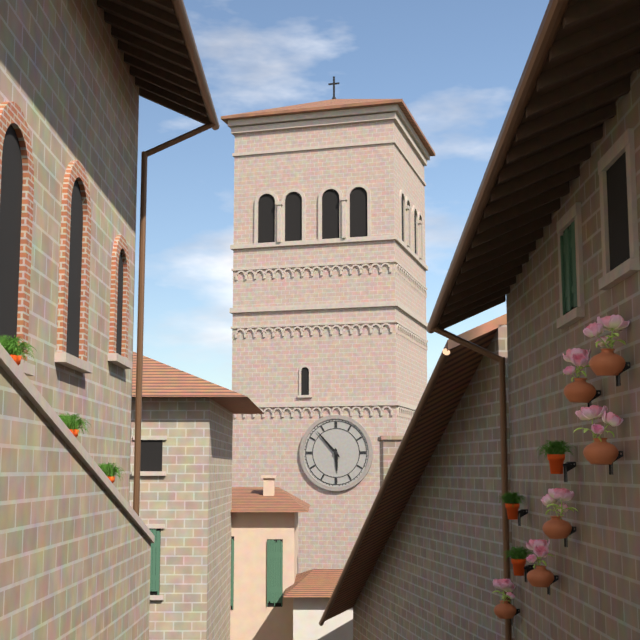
5 h 53 min
